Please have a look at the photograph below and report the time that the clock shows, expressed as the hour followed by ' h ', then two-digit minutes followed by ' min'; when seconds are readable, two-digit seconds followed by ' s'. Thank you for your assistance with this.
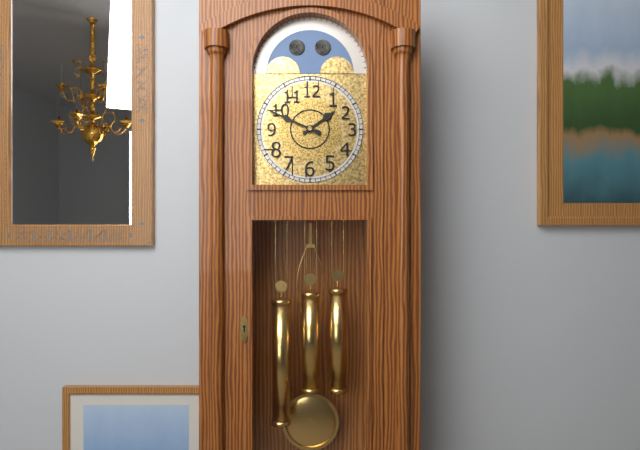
1 h 49 min
